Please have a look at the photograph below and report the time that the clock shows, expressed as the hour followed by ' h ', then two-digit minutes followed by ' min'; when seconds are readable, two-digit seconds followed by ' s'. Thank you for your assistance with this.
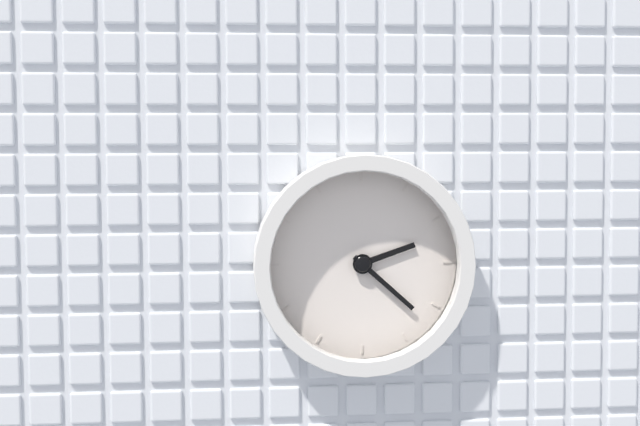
2 h 22 min
